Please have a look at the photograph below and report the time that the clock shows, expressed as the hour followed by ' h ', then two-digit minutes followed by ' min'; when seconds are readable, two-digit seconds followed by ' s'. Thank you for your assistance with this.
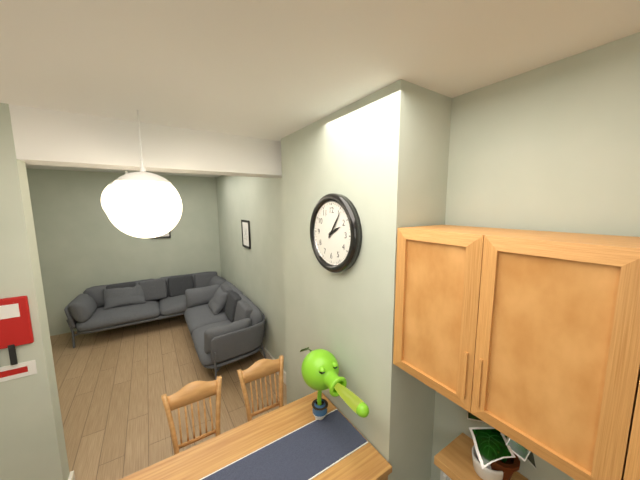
2 h 06 min
